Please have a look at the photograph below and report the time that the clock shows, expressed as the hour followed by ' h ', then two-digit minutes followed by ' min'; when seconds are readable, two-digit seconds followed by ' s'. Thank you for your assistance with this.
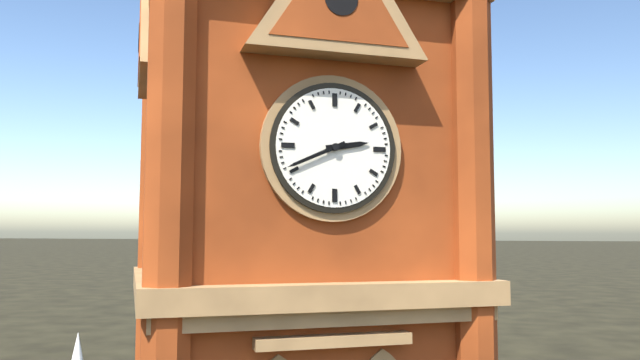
2 h 41 min
